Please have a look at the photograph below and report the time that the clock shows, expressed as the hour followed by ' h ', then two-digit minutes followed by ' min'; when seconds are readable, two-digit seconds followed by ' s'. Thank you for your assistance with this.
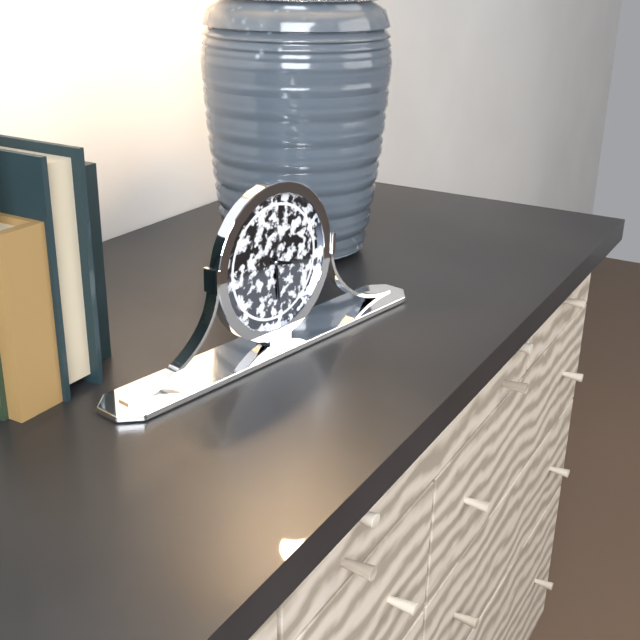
3 h 29 min
